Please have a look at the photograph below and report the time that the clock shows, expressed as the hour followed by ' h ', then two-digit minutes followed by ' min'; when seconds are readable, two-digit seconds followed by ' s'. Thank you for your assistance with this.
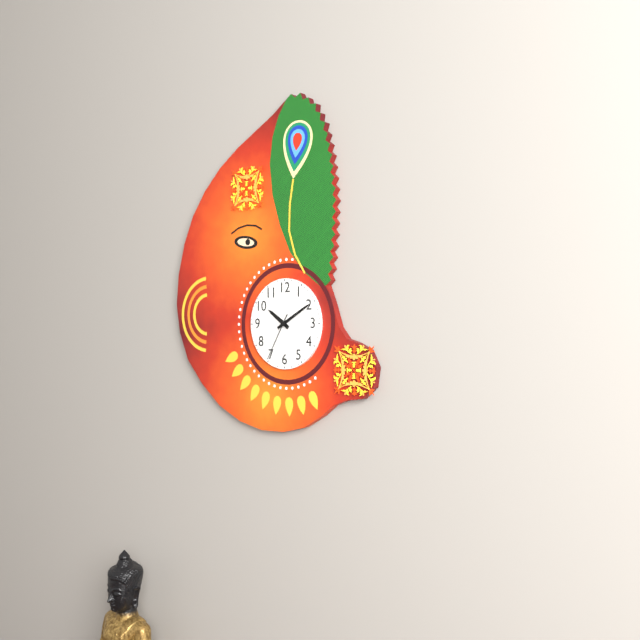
10 h 10 min
